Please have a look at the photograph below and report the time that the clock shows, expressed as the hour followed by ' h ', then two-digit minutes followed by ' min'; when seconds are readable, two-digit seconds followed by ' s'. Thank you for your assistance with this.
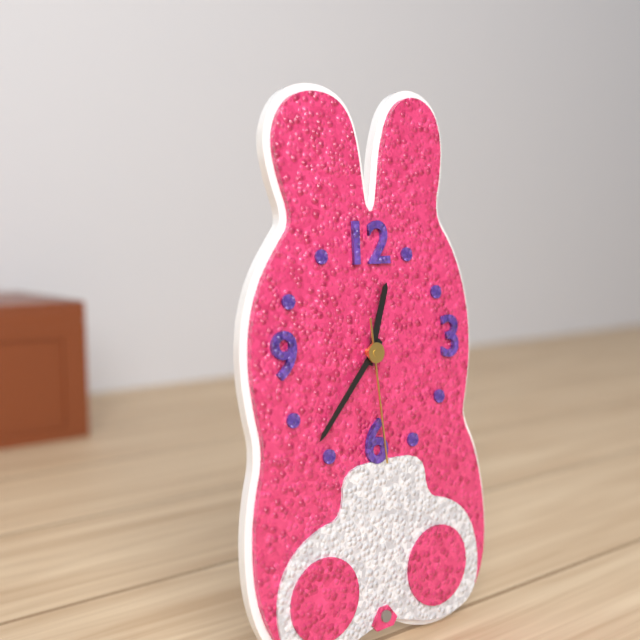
12 h 37 min 29 s
